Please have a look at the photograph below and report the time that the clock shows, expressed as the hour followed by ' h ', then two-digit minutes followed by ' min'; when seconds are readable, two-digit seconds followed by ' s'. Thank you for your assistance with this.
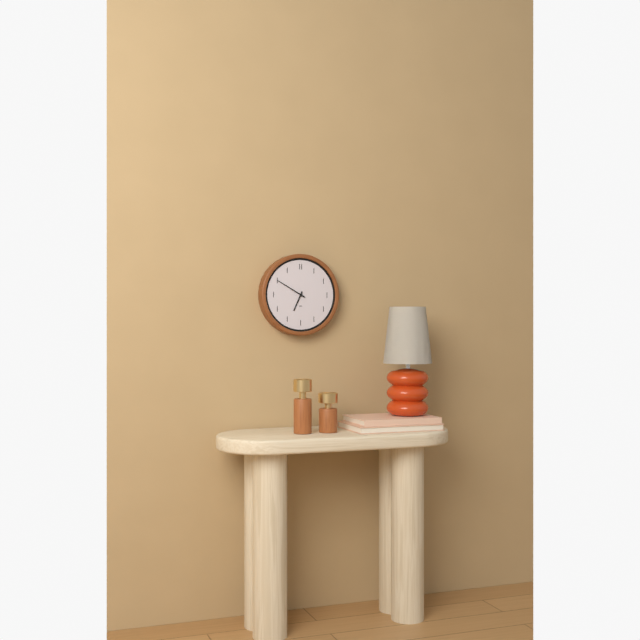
6 h 50 min
